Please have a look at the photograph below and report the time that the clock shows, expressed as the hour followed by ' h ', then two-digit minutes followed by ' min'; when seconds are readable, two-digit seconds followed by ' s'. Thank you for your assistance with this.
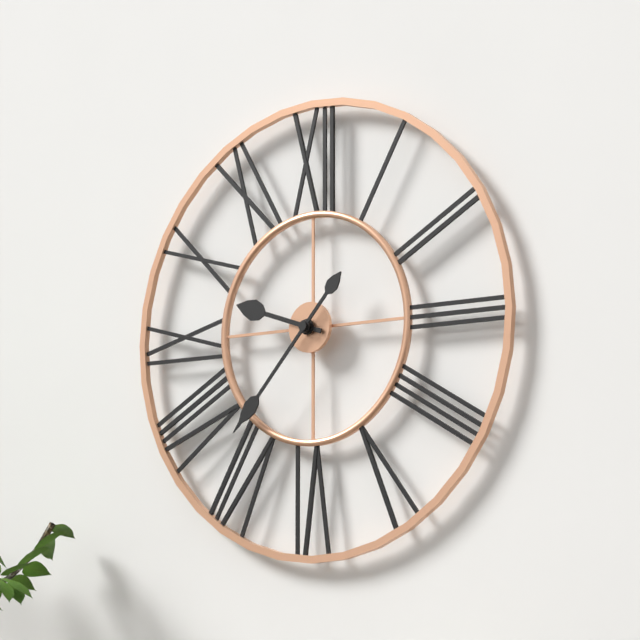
9 h 37 min
